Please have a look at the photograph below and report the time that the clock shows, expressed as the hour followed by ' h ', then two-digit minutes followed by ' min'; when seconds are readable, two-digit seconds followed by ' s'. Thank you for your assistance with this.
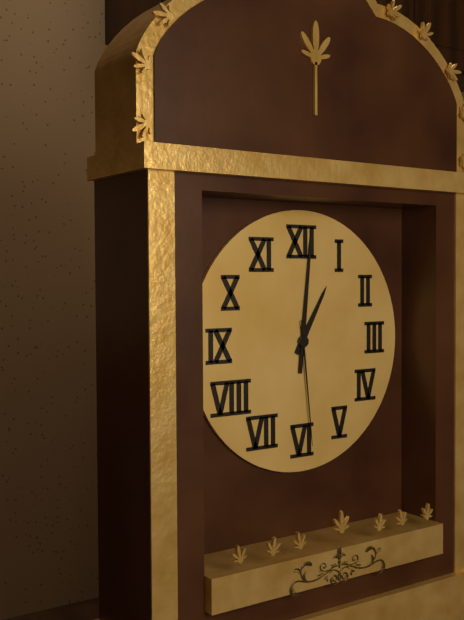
1 h 01 min 29 s
